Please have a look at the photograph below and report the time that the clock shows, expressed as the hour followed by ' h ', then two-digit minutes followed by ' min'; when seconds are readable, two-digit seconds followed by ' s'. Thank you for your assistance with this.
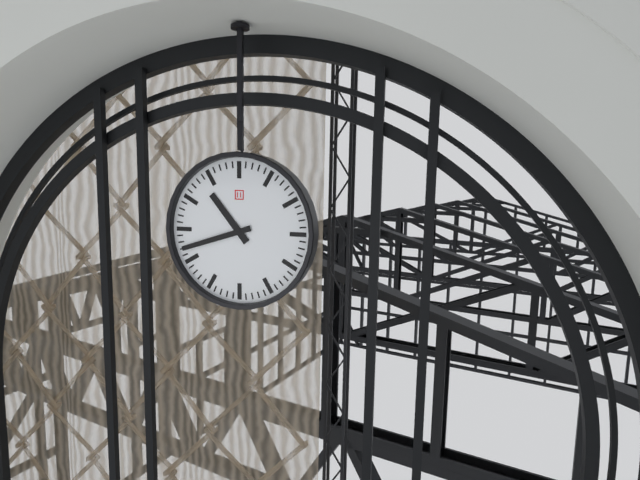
10 h 42 min
